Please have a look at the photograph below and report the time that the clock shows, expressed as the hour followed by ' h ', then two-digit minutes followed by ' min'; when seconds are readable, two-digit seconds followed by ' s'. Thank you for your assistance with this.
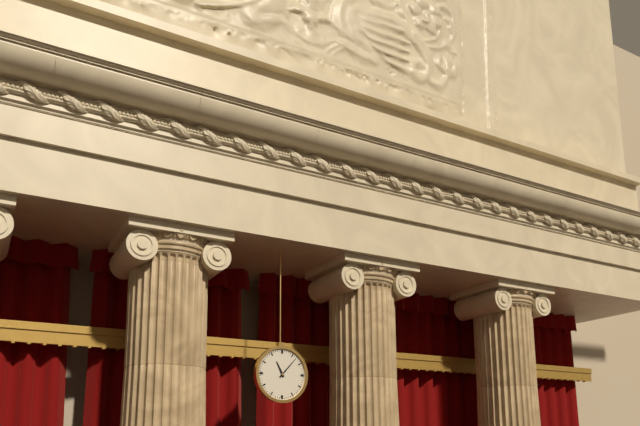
11 h 07 min
